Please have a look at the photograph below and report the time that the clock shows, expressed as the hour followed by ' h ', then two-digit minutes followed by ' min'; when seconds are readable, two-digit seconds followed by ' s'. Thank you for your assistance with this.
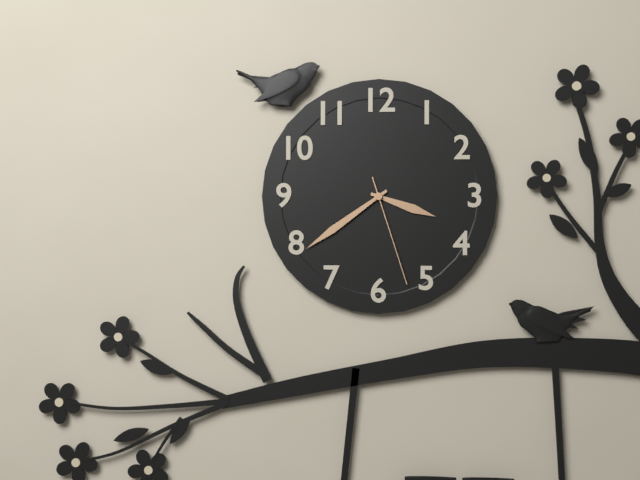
3 h 39 min 27 s
